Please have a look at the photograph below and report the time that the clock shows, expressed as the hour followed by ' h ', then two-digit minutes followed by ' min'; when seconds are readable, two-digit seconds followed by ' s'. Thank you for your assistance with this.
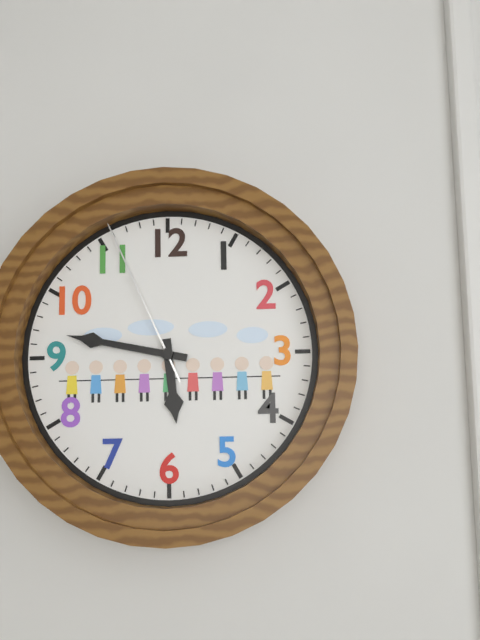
5 h 47 min 56 s
